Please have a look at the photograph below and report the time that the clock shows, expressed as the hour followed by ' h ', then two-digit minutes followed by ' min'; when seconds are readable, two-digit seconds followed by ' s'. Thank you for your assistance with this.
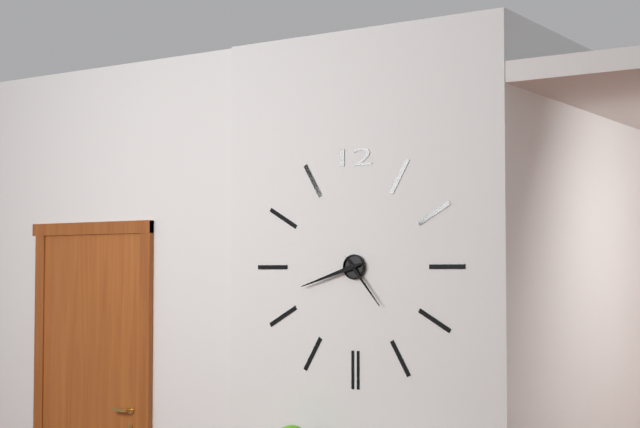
4 h 42 min
